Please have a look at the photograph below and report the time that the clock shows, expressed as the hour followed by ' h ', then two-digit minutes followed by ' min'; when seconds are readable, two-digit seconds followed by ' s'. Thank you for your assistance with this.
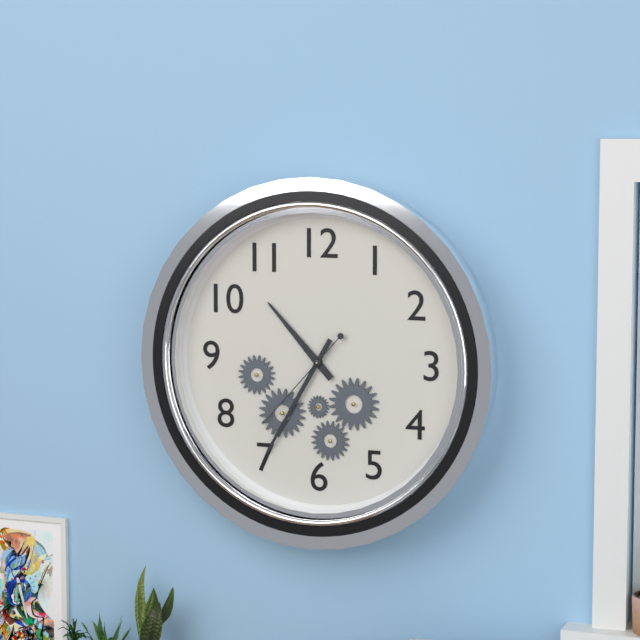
10 h 35 min 37 s
